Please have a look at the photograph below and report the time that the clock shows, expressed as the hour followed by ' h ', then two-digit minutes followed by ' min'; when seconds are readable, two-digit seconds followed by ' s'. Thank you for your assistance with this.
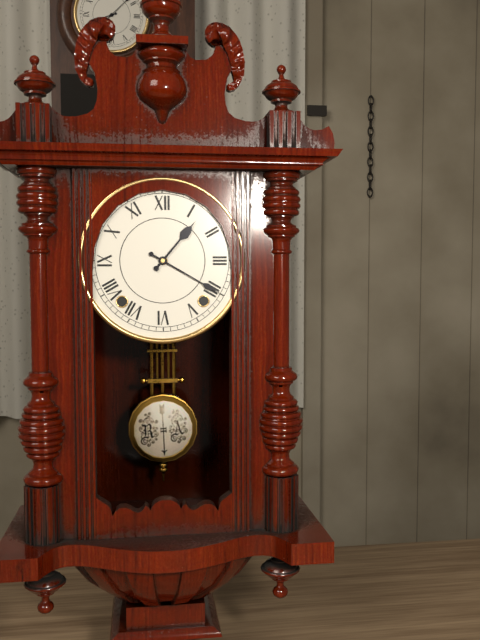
1 h 20 min
